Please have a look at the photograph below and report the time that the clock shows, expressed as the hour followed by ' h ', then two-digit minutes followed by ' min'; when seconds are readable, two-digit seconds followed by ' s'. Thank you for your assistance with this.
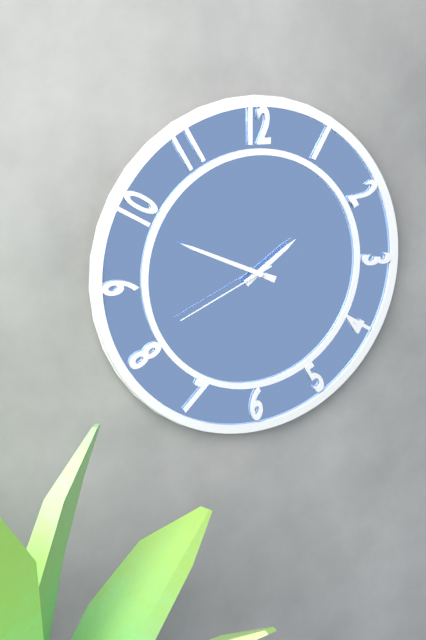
1 h 49 min 41 s
